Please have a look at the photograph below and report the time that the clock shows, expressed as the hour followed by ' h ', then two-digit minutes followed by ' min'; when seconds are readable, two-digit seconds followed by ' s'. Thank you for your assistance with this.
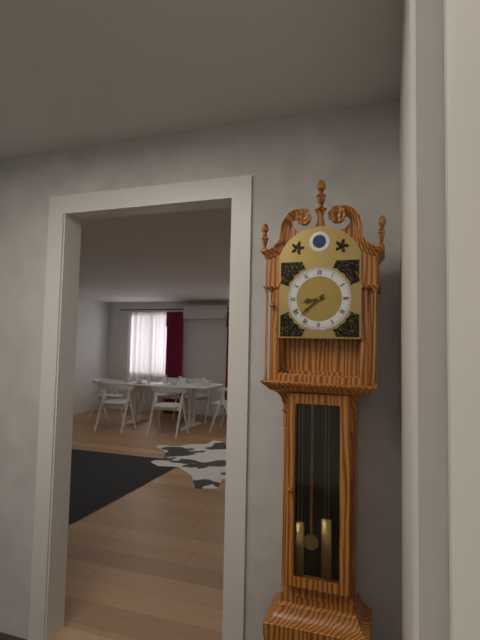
8 h 38 min
